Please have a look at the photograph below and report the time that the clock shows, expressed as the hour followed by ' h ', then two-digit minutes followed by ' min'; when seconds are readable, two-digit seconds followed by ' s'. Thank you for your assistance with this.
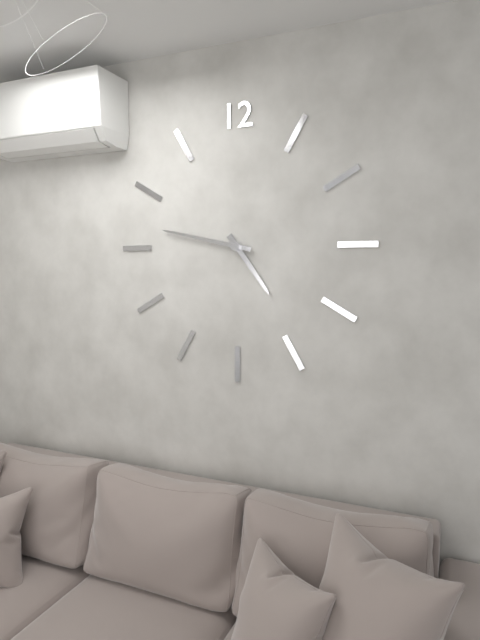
4 h 47 min
